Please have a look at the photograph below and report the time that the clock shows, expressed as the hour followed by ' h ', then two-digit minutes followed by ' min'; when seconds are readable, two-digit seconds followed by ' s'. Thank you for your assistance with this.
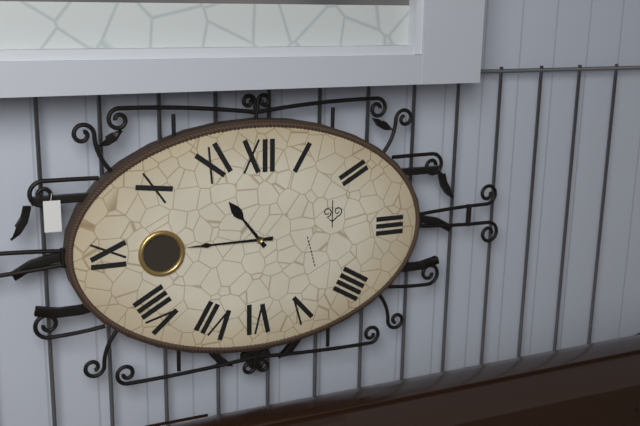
10 h 45 min
